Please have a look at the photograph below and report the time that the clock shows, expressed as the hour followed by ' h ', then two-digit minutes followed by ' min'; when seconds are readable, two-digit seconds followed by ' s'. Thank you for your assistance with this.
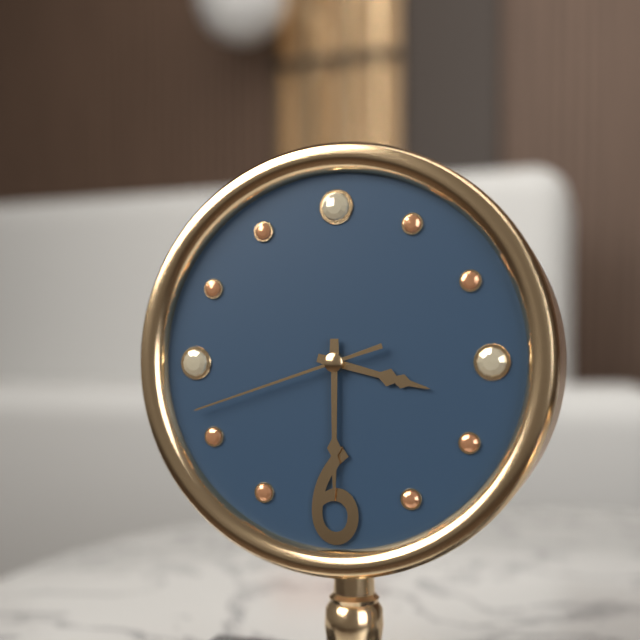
3 h 30 min 42 s
